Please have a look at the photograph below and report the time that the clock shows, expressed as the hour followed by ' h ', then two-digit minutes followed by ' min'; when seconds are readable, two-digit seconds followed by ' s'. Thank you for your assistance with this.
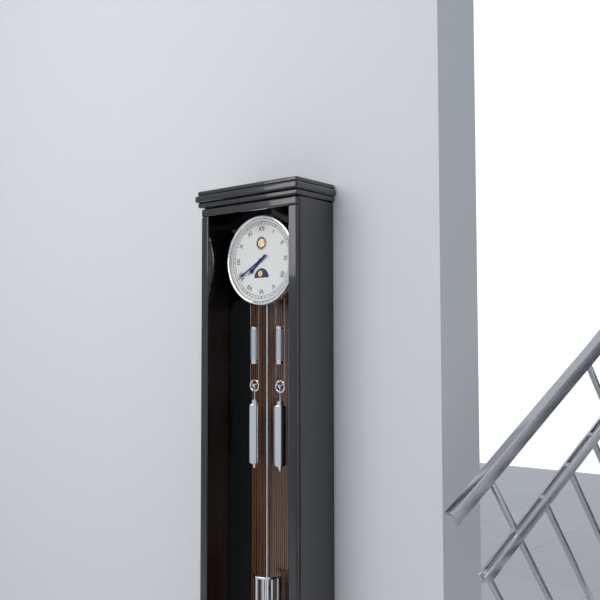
7 h 40 min
